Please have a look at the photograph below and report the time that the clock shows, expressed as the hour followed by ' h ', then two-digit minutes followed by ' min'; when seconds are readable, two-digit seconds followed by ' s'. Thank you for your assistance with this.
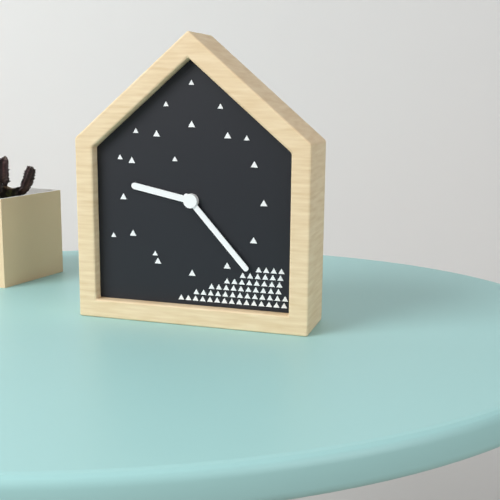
9 h 23 min
